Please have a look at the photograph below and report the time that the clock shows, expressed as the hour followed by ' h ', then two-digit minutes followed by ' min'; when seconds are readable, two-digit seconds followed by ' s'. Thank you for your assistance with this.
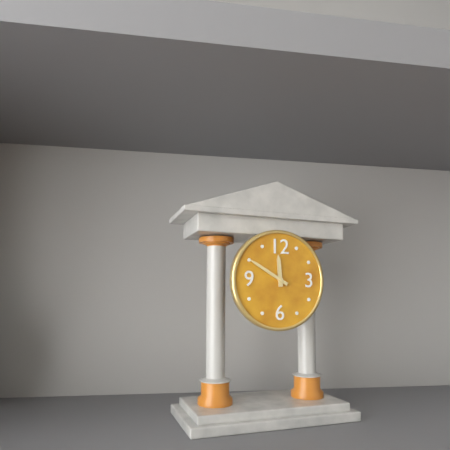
11 h 50 min
